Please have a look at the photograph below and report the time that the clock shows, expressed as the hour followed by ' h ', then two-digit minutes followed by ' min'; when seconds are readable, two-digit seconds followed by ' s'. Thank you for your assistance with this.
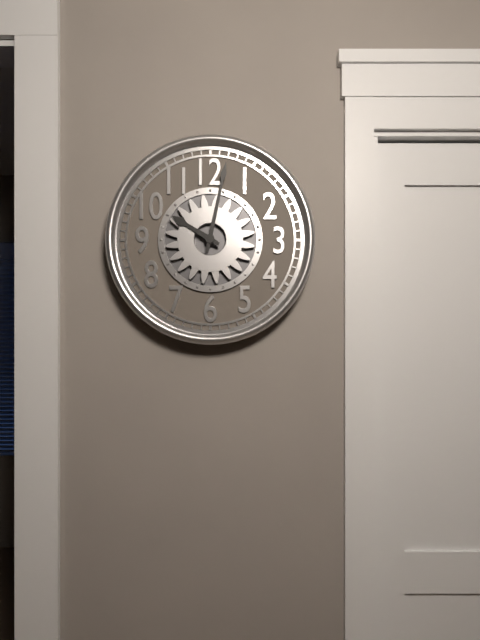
10 h 02 min
